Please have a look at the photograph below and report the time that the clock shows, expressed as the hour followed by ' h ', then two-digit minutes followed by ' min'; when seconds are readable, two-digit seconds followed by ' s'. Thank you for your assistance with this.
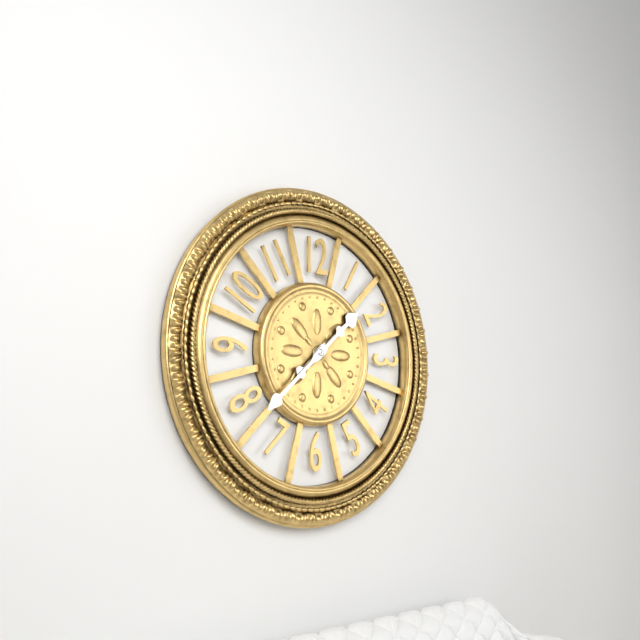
1 h 38 min
